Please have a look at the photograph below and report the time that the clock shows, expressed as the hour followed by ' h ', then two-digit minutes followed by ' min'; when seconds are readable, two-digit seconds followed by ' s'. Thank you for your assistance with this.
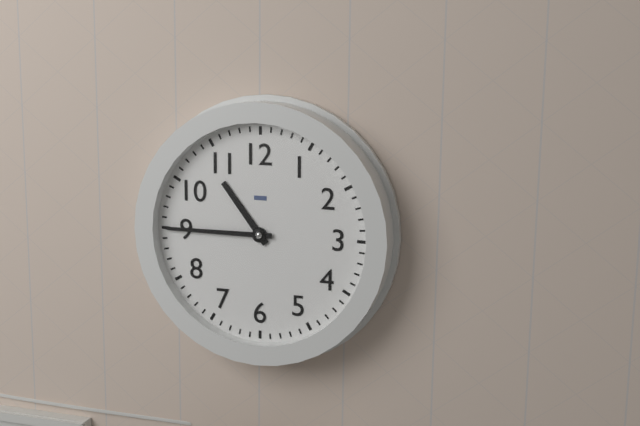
10 h 45 min
